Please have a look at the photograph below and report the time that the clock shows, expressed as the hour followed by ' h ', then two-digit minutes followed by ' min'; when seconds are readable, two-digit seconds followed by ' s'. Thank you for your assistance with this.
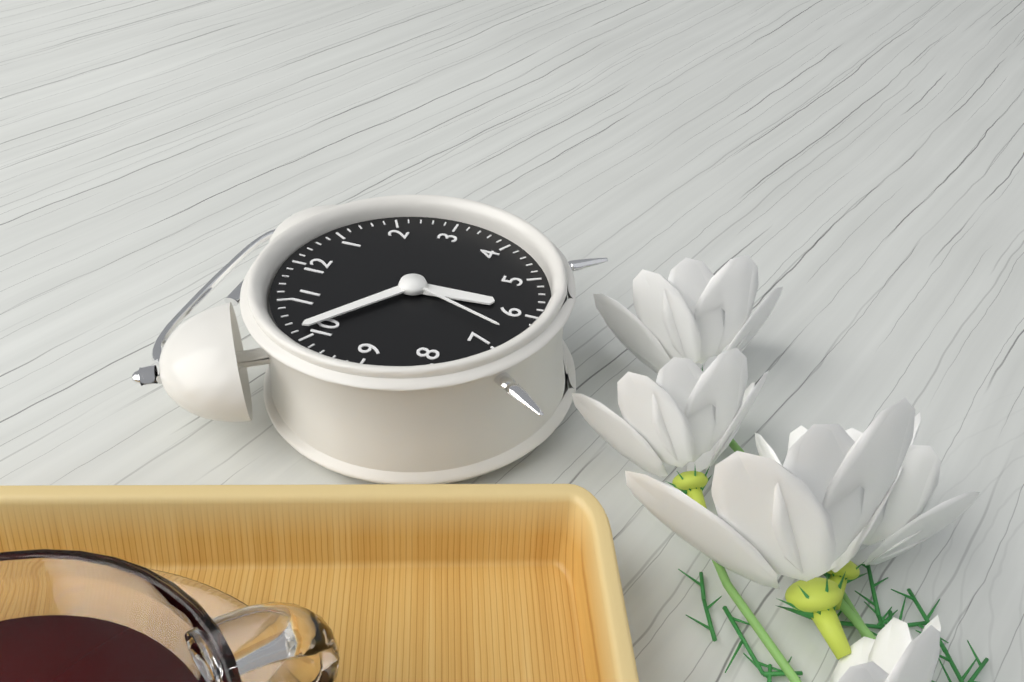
5 h 51 min 33 s
